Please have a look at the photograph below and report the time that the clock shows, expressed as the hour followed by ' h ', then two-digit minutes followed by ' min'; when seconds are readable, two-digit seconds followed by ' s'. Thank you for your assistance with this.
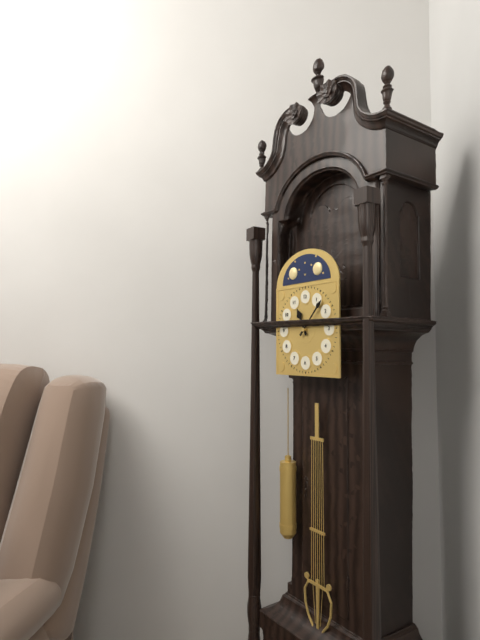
11 h 07 min
